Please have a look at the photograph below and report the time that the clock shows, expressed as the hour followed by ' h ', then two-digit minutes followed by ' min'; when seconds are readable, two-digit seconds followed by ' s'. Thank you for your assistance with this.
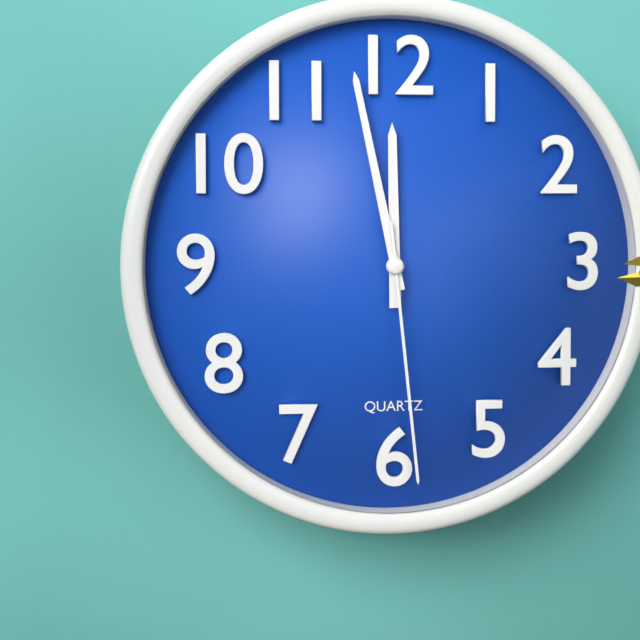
11 h 58 min 29 s
